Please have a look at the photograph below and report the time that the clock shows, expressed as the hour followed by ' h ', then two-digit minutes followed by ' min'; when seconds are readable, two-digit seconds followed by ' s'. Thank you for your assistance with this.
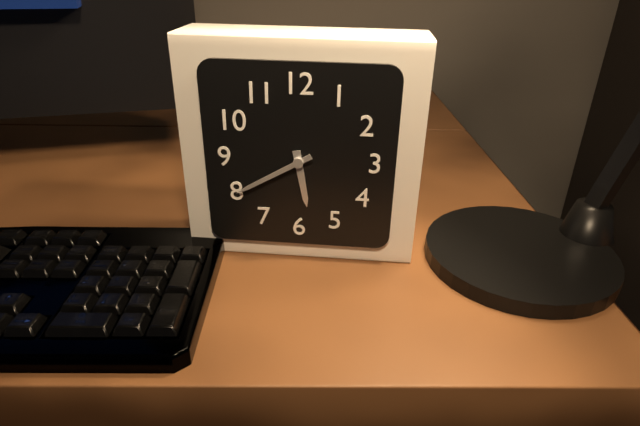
5 h 40 min
